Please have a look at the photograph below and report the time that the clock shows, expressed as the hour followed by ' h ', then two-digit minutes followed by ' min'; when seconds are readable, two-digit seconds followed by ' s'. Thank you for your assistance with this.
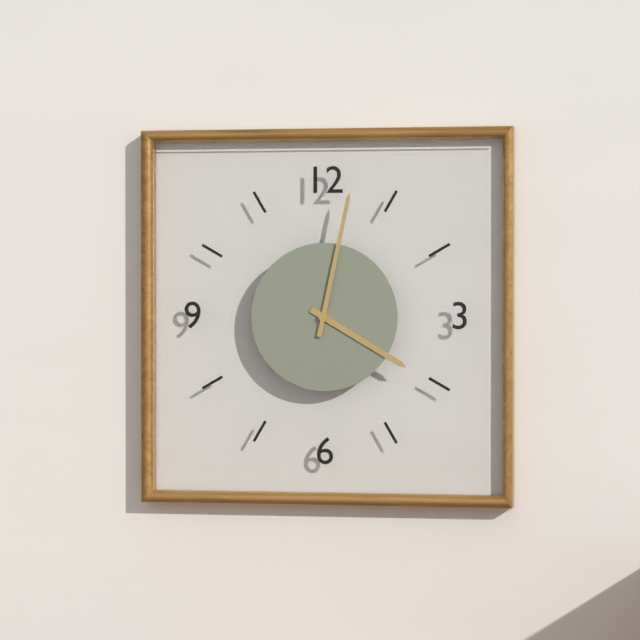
4 h 02 min
